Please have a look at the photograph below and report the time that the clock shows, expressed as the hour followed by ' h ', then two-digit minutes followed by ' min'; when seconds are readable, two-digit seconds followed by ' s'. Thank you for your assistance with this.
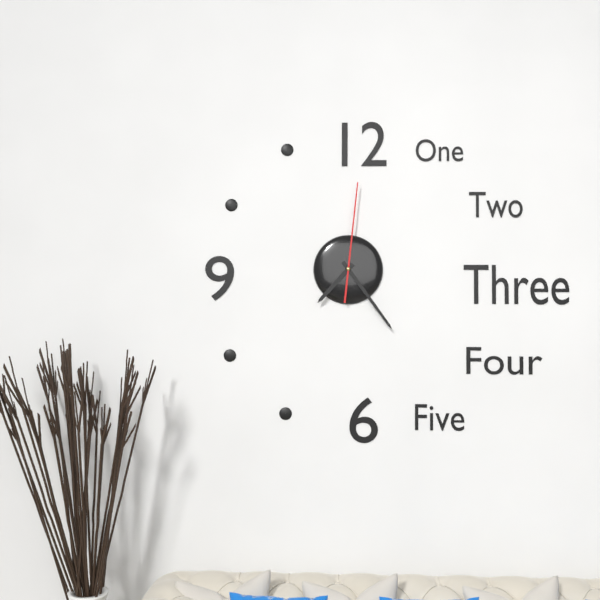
7 h 24 min 01 s
